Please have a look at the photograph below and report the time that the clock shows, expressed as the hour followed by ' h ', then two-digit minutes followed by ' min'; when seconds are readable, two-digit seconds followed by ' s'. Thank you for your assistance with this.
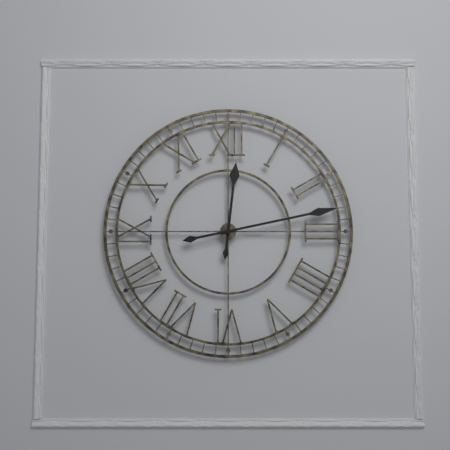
12 h 13 min
